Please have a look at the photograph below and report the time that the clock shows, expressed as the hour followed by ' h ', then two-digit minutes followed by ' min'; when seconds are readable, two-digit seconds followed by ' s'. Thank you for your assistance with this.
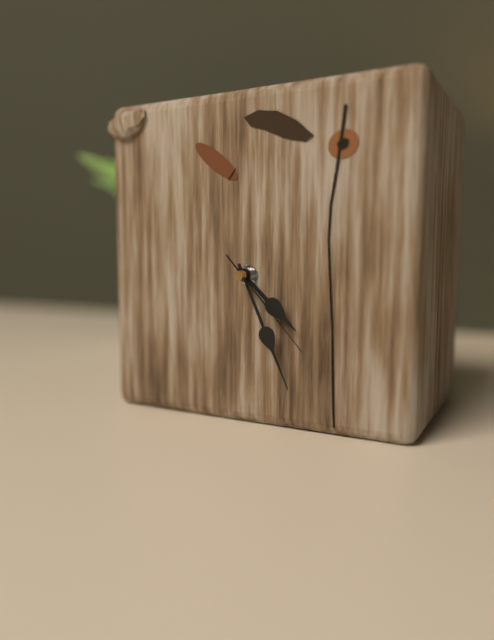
4 h 26 min 23 s
